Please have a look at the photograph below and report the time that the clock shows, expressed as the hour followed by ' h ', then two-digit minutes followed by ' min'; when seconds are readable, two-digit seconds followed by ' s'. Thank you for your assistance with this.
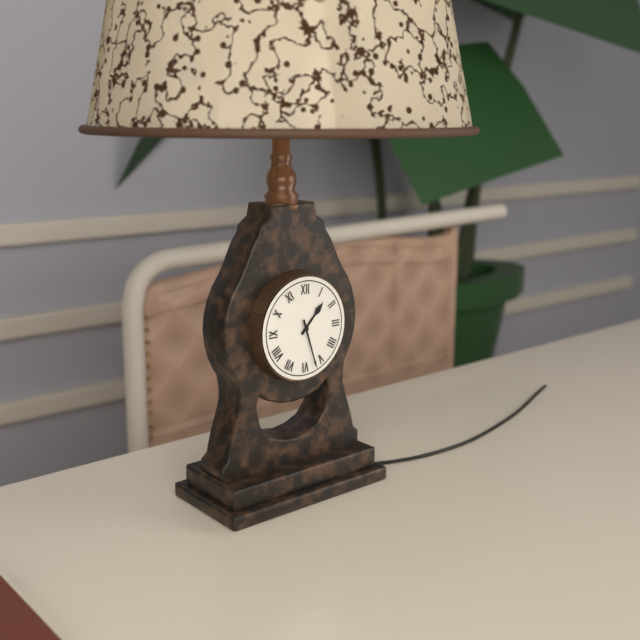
1 h 27 min
